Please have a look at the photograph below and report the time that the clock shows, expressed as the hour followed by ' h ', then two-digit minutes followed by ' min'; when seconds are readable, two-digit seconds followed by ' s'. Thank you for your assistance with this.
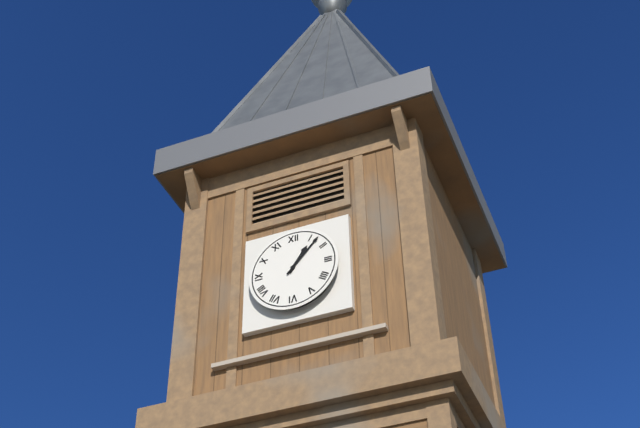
1 h 07 min
